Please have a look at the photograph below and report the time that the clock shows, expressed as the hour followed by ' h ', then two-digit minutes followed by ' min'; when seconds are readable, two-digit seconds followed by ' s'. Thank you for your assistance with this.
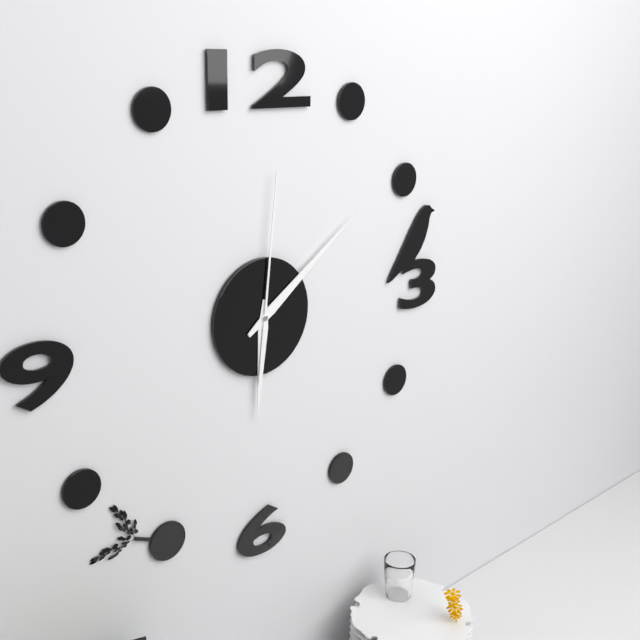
6 h 09 min 01 s
